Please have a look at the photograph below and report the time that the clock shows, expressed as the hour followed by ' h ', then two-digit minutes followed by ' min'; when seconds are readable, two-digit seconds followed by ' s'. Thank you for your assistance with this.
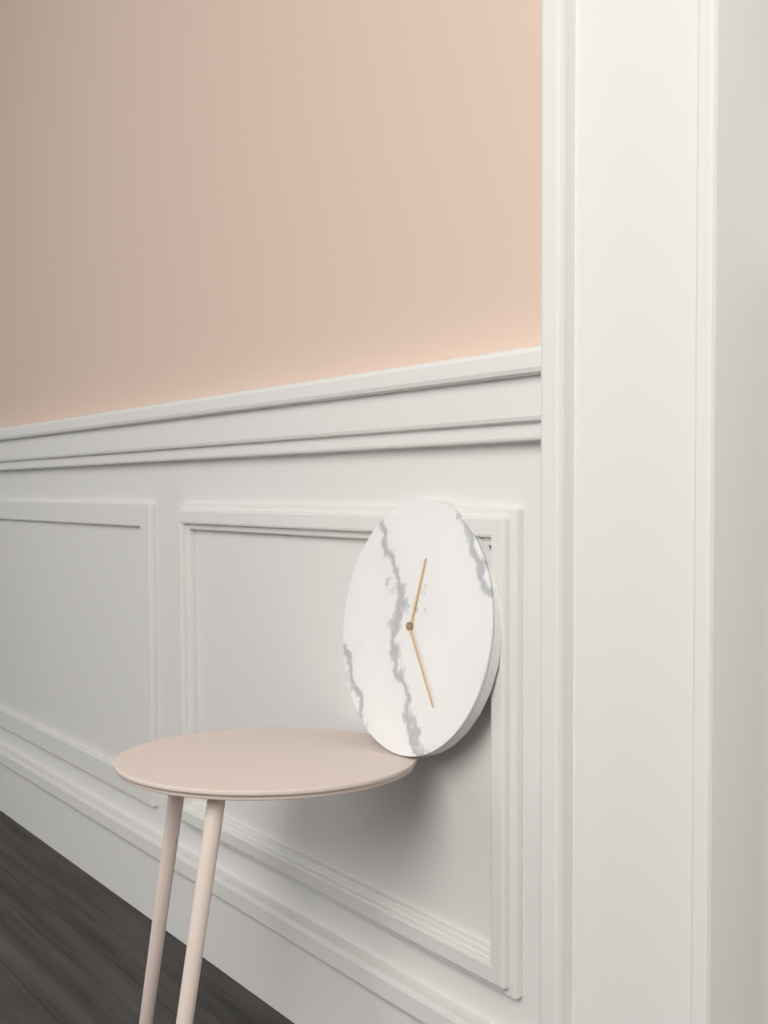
12 h 24 min
